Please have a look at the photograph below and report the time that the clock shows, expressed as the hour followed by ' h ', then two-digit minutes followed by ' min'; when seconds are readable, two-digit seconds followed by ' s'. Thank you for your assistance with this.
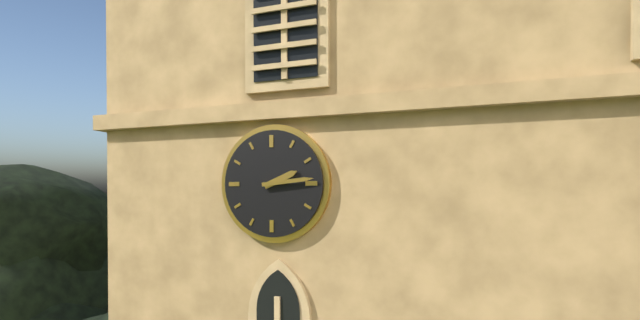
2 h 14 min
